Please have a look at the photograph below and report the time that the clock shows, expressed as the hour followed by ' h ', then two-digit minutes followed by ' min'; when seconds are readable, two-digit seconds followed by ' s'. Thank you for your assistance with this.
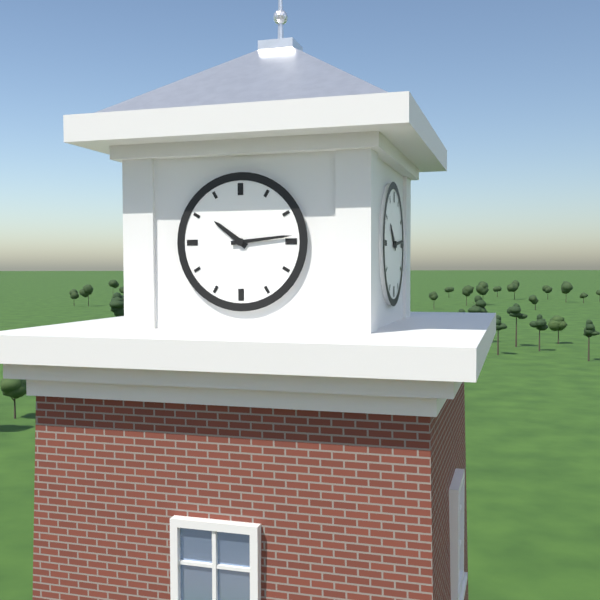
10 h 14 min
